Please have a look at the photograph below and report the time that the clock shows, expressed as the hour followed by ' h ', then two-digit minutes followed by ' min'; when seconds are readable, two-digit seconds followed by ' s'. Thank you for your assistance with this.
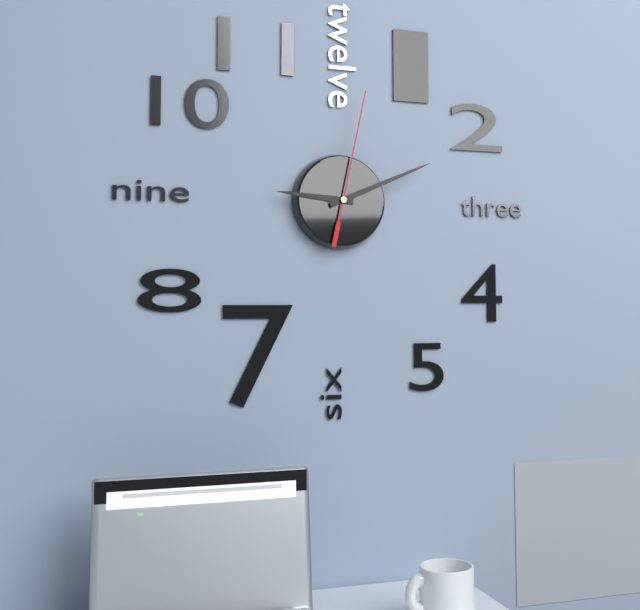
9 h 11 min 02 s
